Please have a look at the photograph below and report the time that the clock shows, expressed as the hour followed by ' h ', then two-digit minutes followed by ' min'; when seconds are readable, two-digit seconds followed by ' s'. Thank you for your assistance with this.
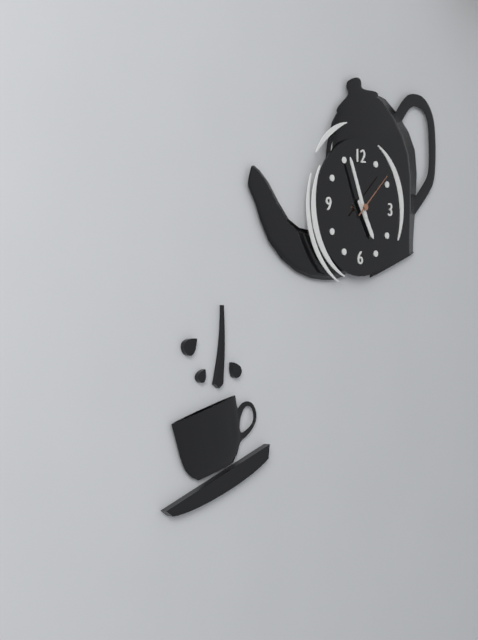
4 h 56 min
